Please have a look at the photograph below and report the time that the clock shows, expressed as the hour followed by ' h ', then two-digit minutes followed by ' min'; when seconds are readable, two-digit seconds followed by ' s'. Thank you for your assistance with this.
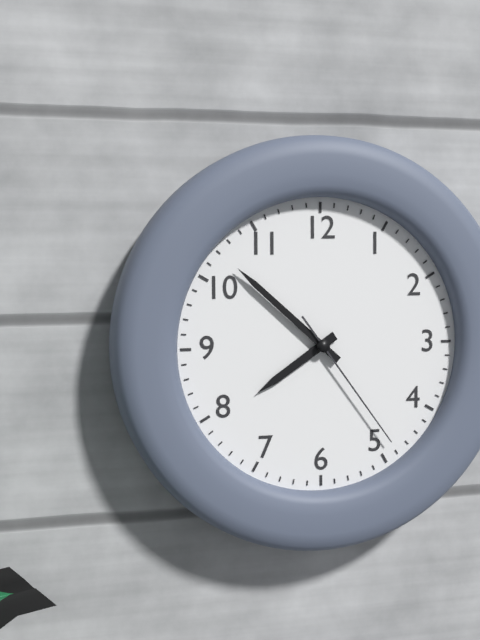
7 h 52 min 24 s
